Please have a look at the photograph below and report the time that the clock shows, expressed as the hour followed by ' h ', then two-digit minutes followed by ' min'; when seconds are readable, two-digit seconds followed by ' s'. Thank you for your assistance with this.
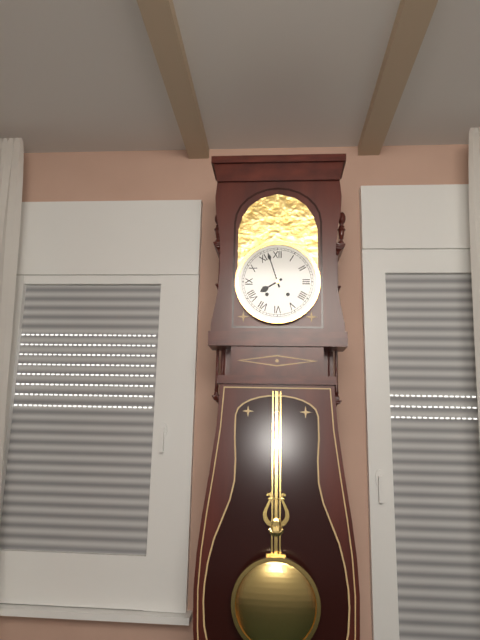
7 h 57 min
